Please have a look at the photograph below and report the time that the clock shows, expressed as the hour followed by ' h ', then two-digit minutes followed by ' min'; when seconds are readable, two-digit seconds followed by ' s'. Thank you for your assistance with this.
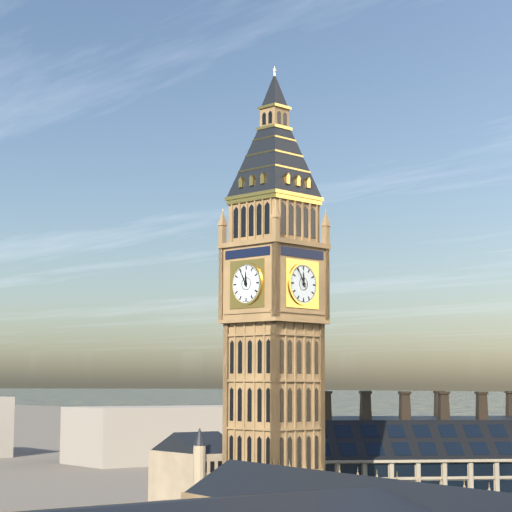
11 h 55 min
